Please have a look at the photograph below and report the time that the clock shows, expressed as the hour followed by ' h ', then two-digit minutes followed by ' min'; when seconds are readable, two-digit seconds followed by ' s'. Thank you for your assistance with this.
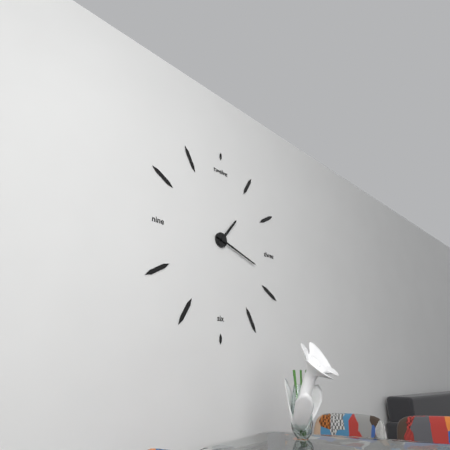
1 h 18 min
